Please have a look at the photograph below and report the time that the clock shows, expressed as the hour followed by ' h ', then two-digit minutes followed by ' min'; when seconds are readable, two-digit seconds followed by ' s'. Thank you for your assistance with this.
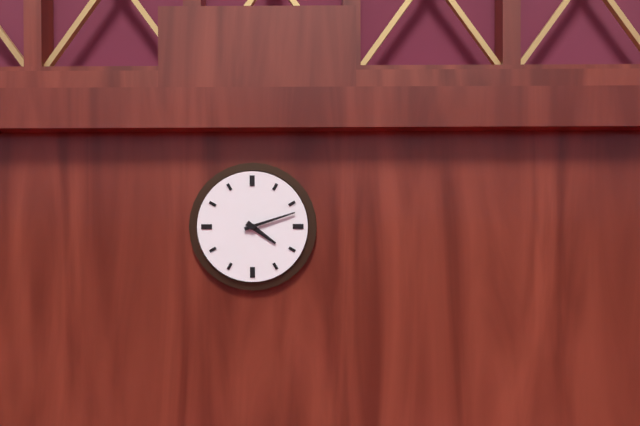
4 h 12 min
